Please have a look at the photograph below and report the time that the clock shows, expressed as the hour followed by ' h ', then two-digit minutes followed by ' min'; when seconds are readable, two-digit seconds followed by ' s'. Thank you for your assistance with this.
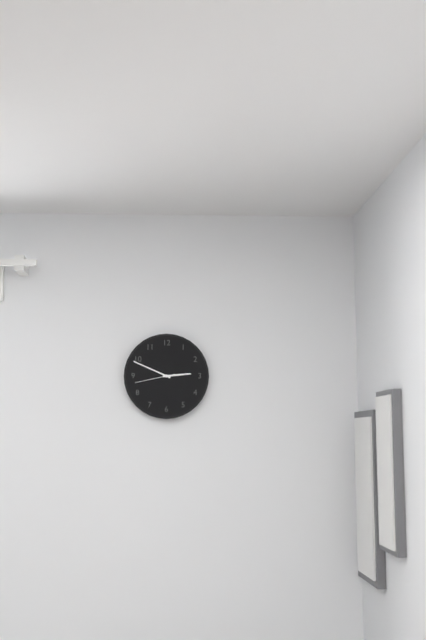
2 h 49 min
